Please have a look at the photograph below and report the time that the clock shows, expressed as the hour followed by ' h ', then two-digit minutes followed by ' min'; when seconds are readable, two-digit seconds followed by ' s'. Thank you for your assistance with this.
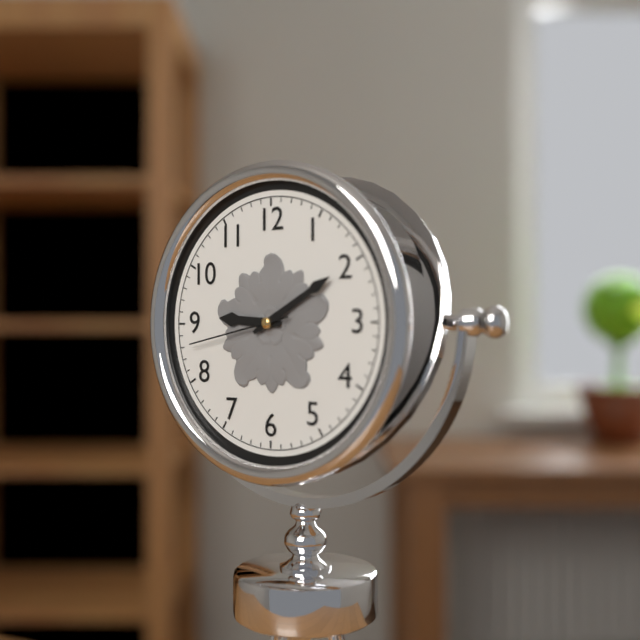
9 h 10 min 43 s
